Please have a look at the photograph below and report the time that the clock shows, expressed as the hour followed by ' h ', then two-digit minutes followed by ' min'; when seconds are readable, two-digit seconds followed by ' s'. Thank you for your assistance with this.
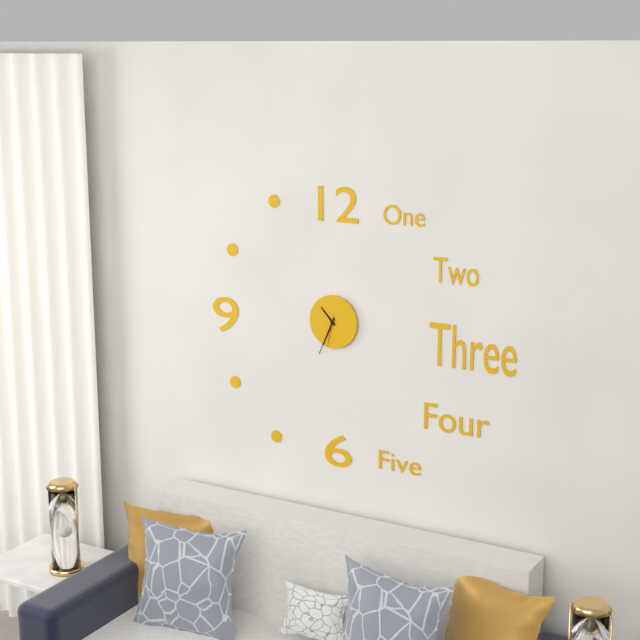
10 h 34 min
